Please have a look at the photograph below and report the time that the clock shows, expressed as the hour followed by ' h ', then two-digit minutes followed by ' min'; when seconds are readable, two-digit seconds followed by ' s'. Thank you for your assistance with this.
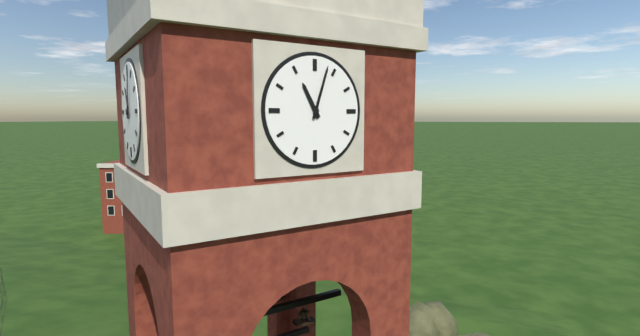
11 h 03 min
